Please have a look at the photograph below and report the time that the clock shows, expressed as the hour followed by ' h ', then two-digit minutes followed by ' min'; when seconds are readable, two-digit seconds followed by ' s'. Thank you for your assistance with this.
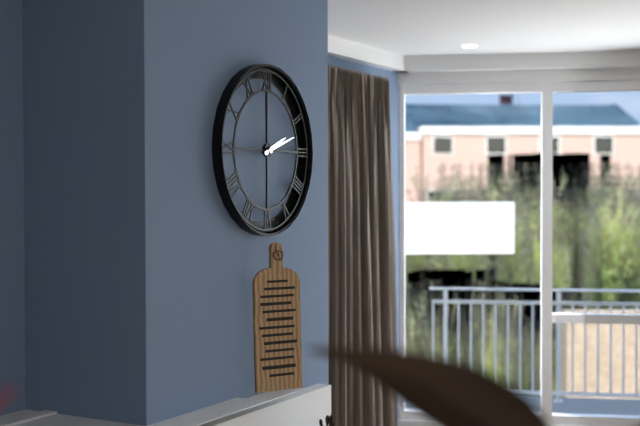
2 h 12 min
